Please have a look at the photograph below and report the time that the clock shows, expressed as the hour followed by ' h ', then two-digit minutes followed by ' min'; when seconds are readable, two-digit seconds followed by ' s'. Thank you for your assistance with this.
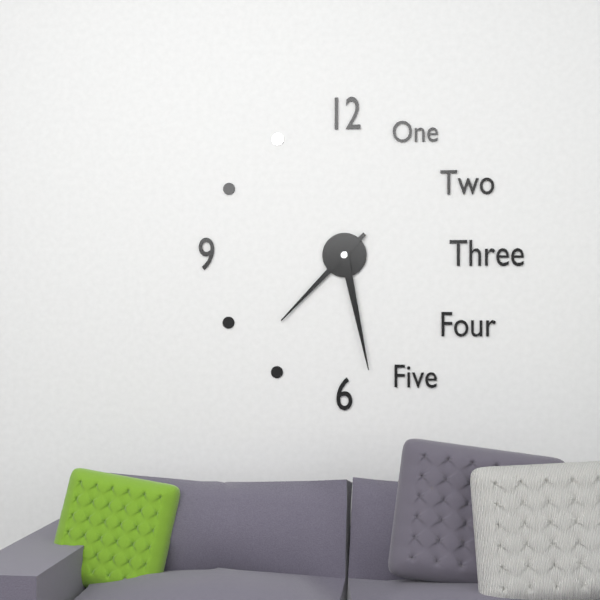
7 h 28 min
